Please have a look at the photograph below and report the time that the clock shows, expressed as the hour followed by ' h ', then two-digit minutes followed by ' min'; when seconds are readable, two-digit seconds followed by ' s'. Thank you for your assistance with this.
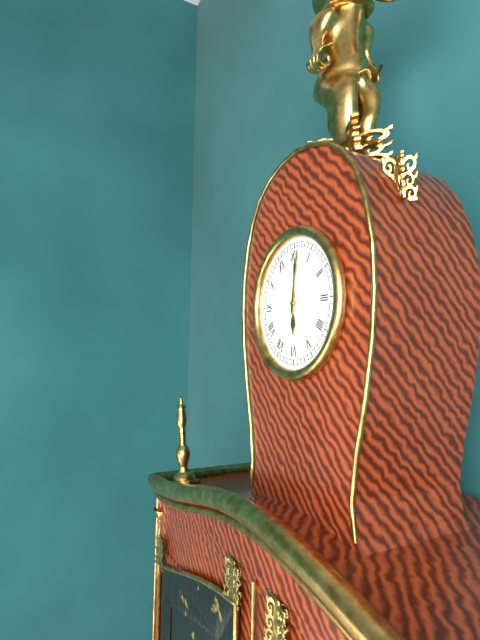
6 h 01 min
